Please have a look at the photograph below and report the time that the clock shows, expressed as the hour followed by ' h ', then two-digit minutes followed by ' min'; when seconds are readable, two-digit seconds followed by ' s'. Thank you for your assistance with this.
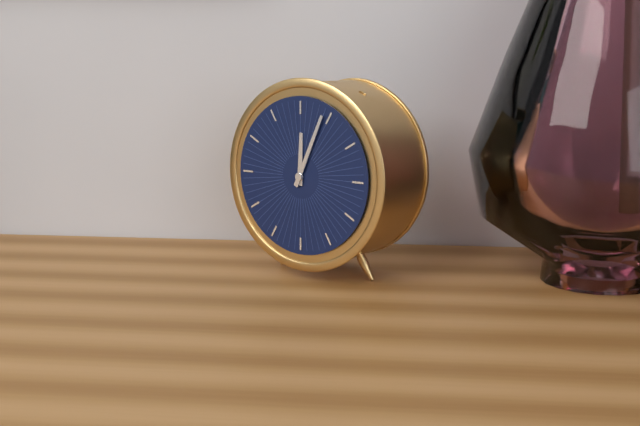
12 h 04 min
